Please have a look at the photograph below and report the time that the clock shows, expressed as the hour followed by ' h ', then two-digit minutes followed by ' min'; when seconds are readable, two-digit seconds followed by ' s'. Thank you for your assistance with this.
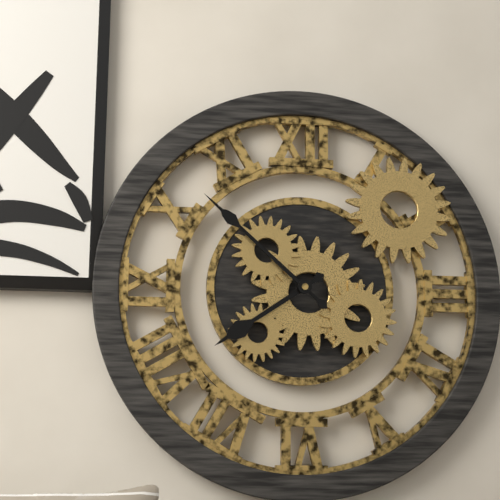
7 h 52 min
